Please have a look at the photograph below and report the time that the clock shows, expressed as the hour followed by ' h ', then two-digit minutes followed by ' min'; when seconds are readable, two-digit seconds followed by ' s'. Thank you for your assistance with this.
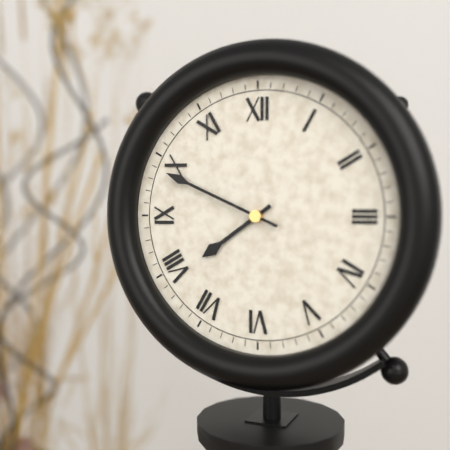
7 h 49 min
